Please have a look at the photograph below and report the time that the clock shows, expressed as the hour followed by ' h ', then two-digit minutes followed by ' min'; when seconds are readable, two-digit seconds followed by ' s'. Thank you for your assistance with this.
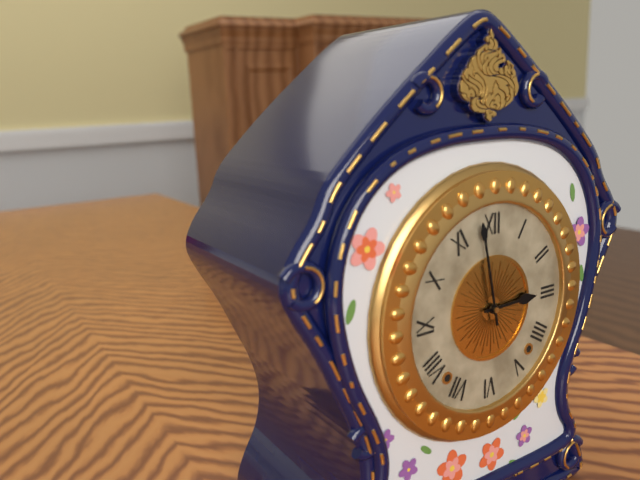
2 h 58 min
